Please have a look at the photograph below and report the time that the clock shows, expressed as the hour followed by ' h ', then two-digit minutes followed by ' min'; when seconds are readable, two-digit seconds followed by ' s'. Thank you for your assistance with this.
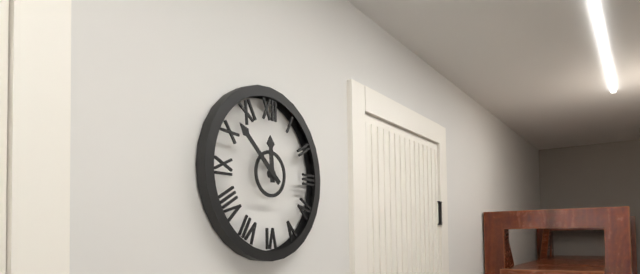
11 h 52 min
